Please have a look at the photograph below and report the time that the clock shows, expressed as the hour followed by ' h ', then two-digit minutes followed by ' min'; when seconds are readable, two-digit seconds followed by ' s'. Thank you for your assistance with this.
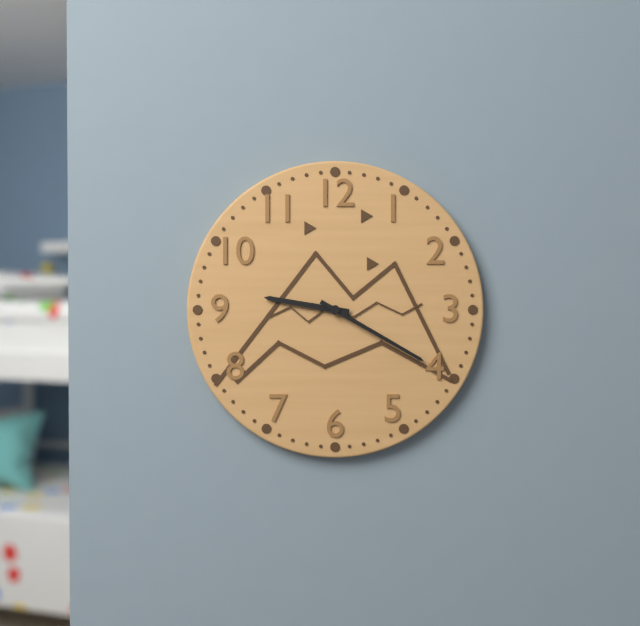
9 h 20 min
